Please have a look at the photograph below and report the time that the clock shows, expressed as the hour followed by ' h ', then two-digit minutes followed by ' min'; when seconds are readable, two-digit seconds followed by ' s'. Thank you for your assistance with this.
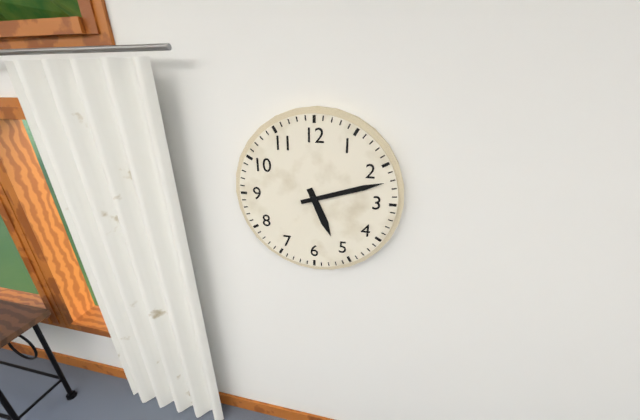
5 h 12 min
